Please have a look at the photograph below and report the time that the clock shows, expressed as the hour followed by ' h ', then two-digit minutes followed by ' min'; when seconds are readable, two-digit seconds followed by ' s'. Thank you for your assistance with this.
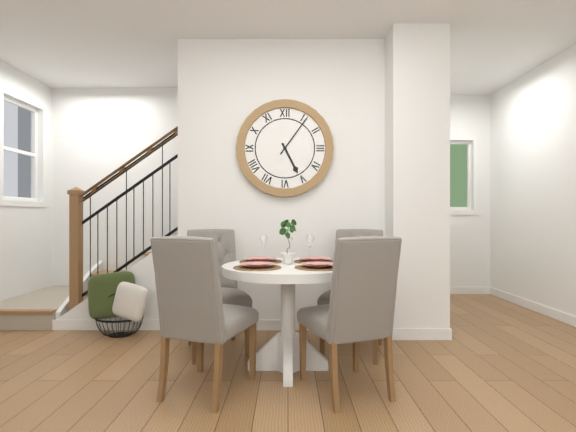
5 h 06 min
